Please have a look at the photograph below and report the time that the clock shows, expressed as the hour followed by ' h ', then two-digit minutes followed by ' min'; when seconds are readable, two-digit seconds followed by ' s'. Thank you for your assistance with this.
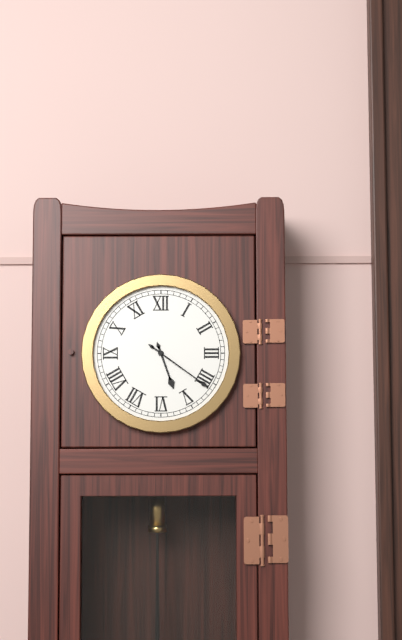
5 h 21 min
